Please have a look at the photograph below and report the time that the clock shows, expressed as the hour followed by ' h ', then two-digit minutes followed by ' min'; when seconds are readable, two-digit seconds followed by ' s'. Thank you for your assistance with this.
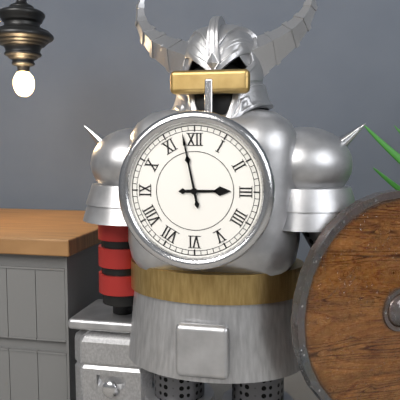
2 h 58 min
